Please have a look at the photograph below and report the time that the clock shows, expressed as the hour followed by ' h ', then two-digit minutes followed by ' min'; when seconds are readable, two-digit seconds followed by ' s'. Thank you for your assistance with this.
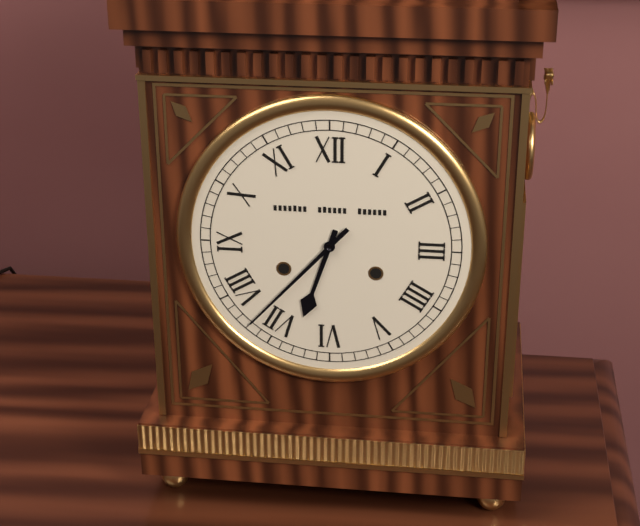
6 h 37 min
